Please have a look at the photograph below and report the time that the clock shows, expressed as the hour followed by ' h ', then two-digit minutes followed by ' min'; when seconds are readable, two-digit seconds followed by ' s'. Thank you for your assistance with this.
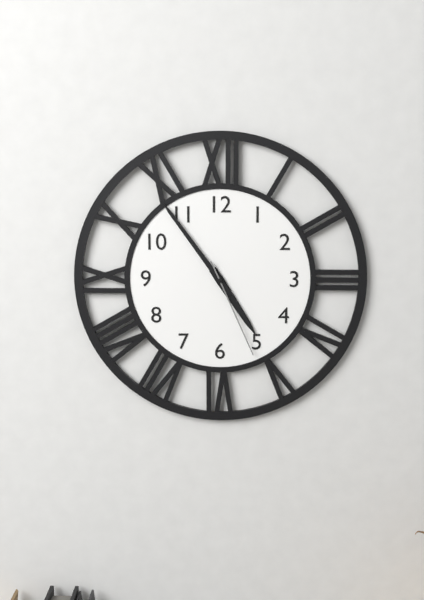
4 h 54 min 26 s
